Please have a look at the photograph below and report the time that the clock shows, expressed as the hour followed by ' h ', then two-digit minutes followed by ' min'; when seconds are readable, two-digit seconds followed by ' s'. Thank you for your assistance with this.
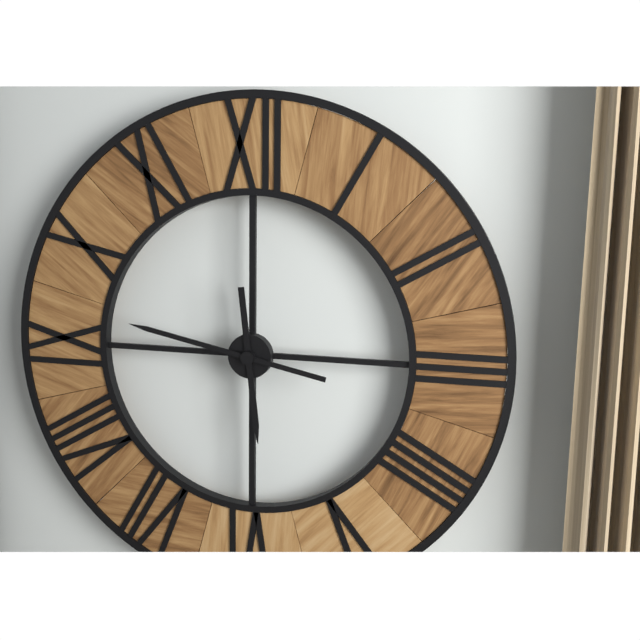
5 h 47 min
